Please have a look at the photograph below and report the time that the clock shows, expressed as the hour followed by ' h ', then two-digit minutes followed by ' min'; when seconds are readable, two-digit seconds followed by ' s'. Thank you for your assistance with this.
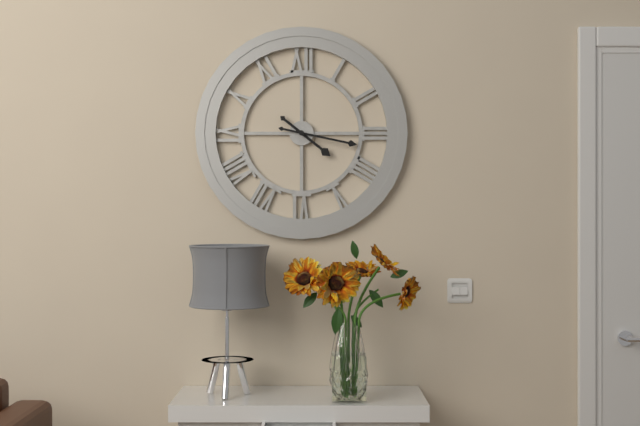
4 h 17 min
